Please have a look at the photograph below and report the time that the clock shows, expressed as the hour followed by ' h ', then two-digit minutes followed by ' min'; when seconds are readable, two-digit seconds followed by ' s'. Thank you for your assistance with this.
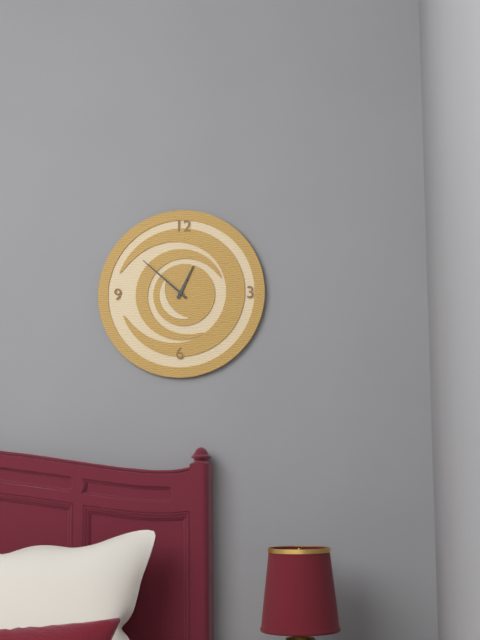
12 h 52 min
